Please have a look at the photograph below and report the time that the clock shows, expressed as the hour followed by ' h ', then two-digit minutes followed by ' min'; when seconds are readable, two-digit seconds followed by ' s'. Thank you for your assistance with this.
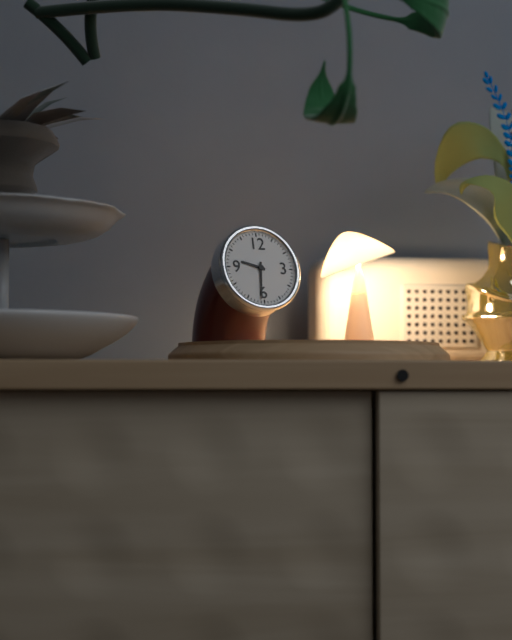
9 h 31 min
